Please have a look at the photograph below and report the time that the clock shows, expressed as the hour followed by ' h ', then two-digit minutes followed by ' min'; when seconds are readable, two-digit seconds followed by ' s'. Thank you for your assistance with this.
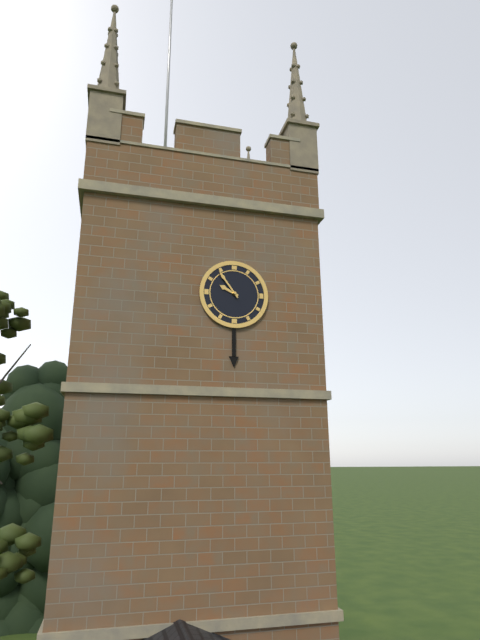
9 h 54 min
